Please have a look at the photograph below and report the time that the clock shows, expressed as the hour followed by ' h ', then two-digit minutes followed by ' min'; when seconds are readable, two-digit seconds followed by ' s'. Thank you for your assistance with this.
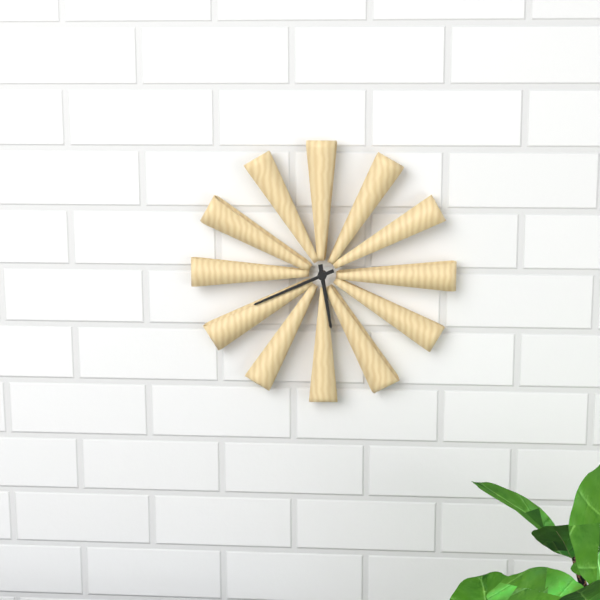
5 h 41 min
